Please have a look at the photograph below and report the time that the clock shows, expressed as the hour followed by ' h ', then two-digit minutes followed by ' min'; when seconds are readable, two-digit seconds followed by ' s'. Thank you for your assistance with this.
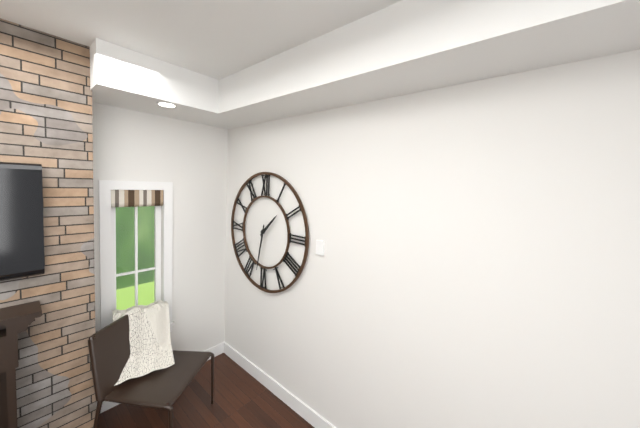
1 h 32 min
